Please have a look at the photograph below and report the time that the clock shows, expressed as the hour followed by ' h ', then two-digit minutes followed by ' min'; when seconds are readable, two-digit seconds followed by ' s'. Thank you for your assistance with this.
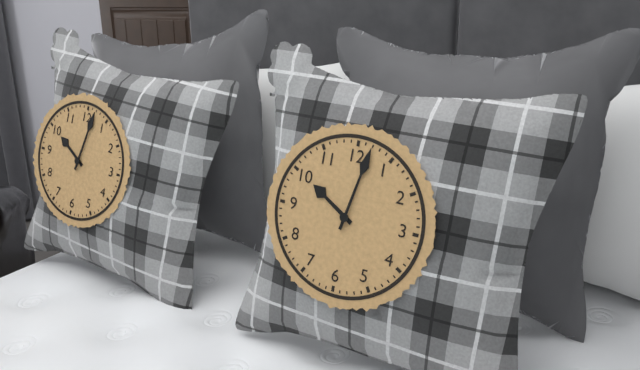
10 h 02 min
